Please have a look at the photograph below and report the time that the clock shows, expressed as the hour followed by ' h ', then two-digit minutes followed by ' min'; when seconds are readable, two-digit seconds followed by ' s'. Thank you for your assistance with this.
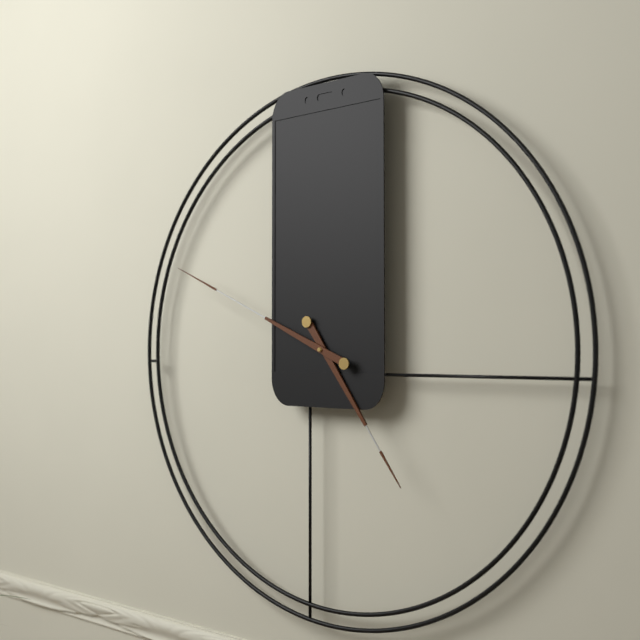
4 h 49 min
